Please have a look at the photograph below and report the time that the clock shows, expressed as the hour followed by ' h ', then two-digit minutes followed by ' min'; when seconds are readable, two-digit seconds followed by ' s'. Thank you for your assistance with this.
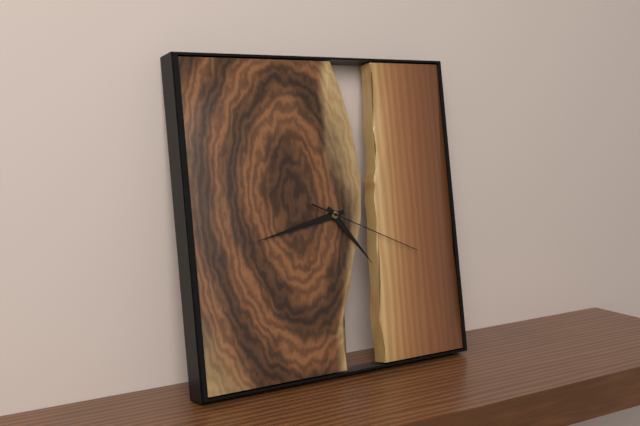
4 h 43 min 19 s
